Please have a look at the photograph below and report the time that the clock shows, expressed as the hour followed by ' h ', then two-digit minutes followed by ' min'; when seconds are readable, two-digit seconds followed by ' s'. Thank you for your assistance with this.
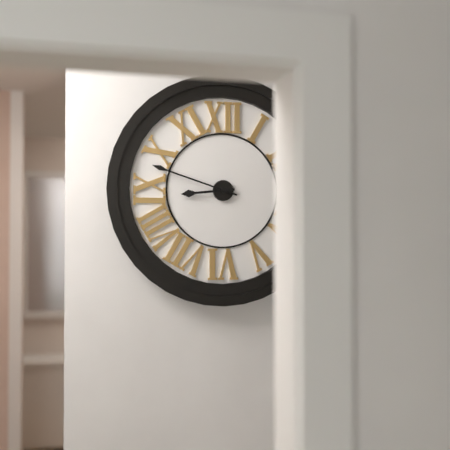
8 h 48 min
